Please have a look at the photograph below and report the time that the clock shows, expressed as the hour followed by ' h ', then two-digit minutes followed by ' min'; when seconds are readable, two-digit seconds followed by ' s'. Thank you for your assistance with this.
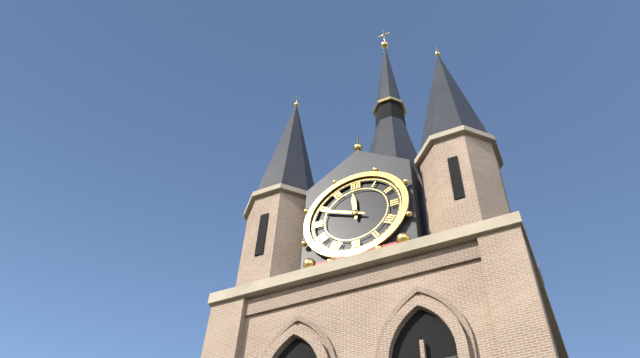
11 h 49 min
